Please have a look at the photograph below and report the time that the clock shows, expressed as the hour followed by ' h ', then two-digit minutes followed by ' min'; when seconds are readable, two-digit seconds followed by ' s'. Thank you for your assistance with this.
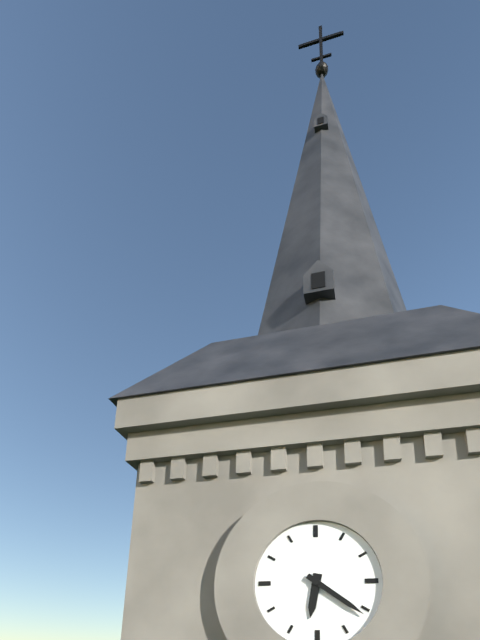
6 h 21 min
